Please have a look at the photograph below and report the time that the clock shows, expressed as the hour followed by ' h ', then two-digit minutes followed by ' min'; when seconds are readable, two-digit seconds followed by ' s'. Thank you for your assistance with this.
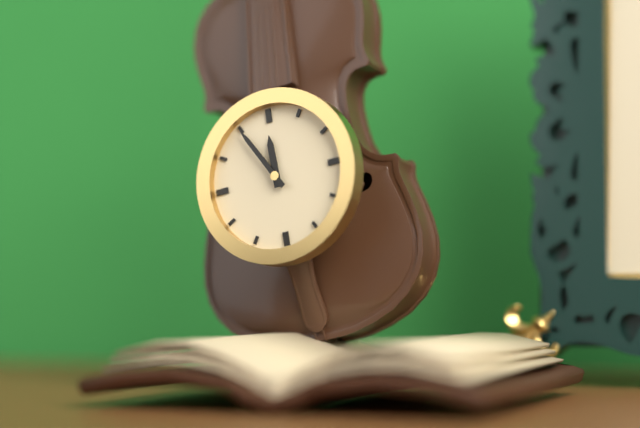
11 h 55 min
